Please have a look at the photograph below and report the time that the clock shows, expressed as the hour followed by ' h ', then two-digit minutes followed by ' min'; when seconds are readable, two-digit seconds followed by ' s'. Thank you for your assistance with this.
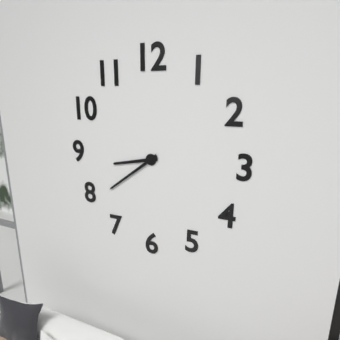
8 h 39 min
